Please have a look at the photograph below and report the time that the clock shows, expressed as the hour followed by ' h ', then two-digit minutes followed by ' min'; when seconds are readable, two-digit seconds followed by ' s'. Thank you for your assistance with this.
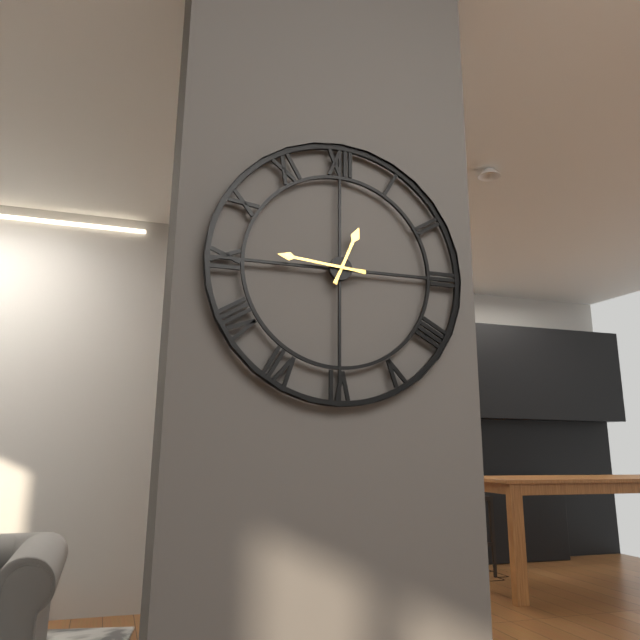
12 h 46 min
